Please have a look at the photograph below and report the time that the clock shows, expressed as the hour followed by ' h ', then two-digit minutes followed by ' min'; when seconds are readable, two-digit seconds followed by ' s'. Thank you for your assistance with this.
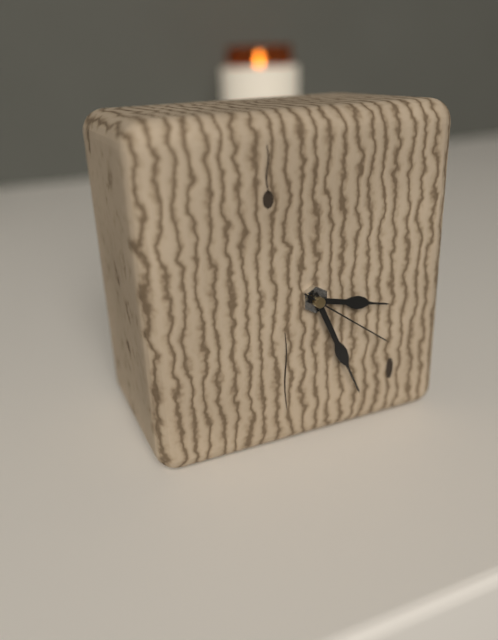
3 h 26 min 21 s
